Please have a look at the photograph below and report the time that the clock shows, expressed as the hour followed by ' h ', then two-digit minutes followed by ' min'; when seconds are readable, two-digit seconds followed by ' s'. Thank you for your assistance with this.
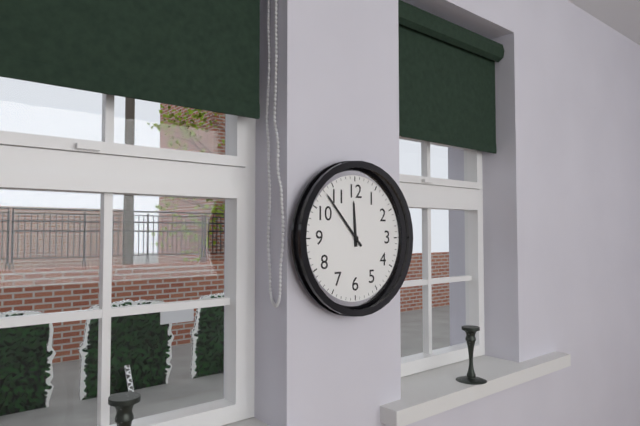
11 h 53 min
